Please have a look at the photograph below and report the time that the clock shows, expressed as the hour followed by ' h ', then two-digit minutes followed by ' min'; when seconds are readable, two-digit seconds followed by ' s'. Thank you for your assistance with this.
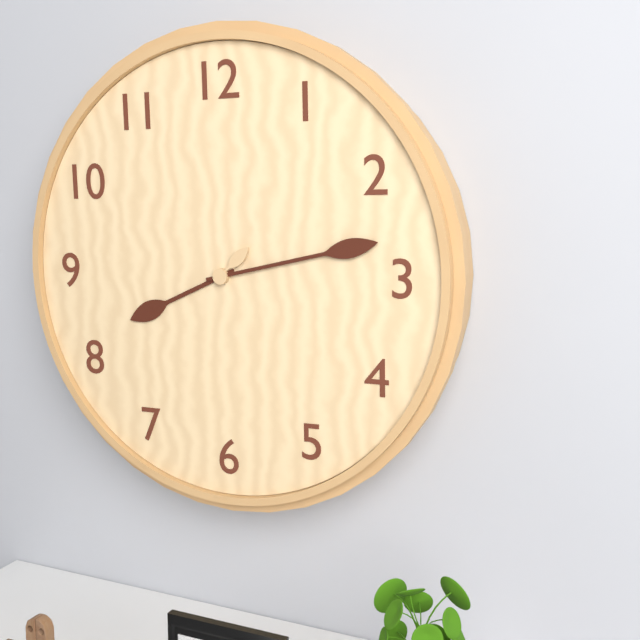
8 h 13 min
